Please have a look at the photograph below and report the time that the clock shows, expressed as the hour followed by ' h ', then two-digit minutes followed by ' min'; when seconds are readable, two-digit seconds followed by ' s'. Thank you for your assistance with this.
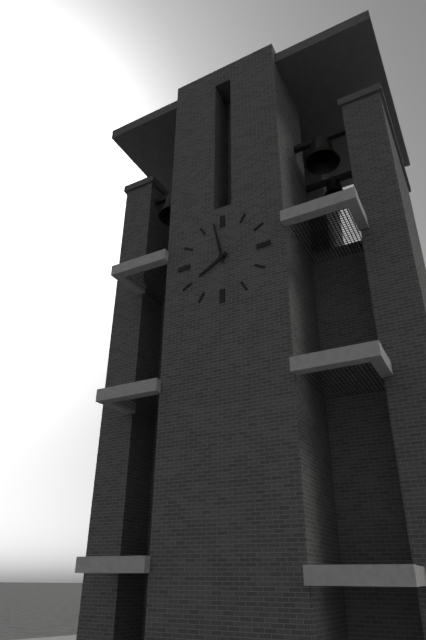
7 h 58 min
